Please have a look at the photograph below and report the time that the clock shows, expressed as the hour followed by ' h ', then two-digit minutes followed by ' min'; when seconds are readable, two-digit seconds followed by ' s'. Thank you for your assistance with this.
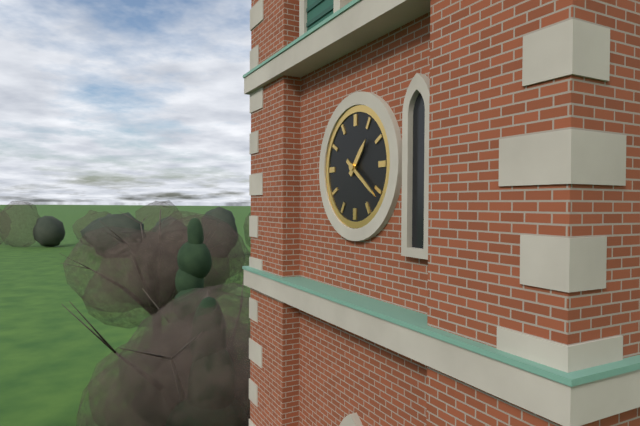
1 h 21 min
